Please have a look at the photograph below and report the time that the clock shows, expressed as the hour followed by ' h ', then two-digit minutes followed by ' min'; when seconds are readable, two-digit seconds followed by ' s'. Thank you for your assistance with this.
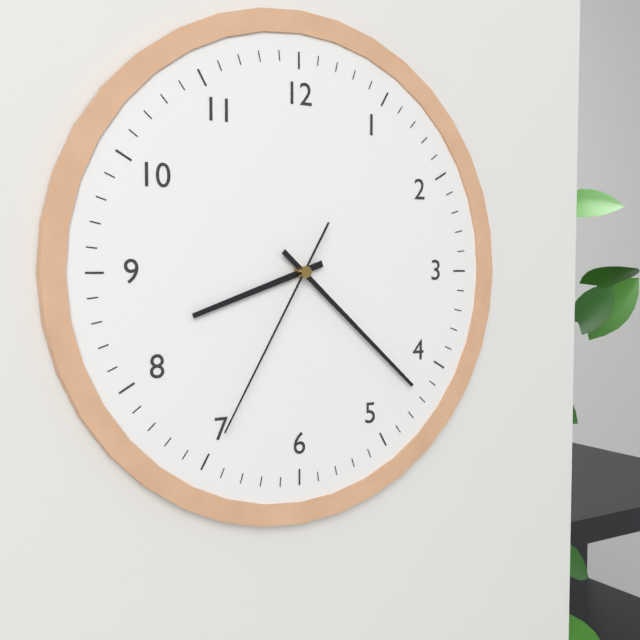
8 h 22 min 35 s
